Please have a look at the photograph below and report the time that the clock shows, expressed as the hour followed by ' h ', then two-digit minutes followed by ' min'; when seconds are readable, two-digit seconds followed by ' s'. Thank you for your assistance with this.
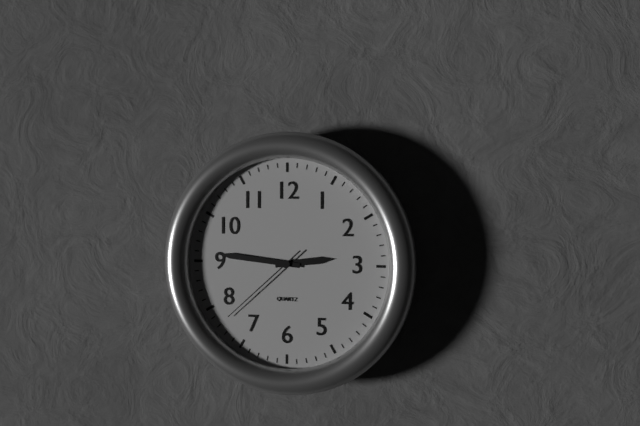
2 h 46 min 38 s
